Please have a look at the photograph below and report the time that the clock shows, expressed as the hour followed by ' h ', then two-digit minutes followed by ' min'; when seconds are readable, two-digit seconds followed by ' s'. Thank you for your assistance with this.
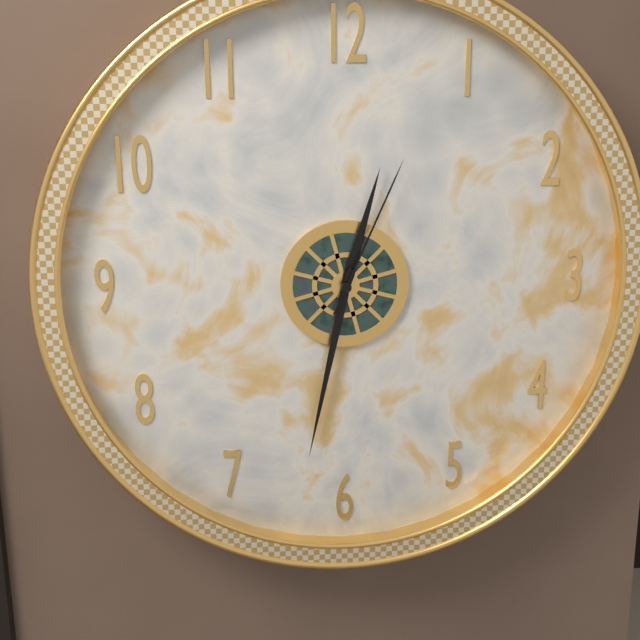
12 h 32 min 04 s
